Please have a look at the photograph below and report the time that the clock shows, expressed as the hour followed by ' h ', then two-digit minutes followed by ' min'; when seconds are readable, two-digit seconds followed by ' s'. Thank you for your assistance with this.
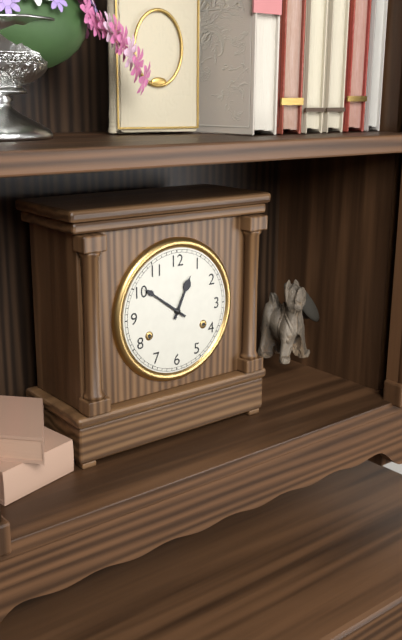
12 h 51 min
